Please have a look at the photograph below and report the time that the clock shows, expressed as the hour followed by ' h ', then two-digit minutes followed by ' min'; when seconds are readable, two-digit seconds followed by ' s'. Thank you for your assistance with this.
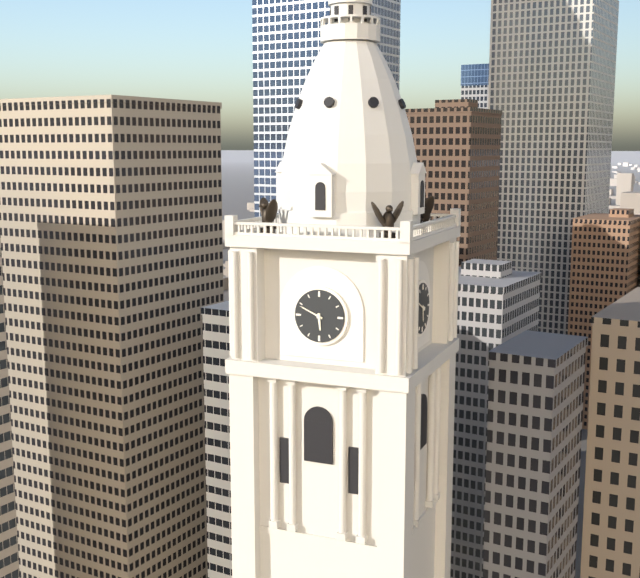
5 h 49 min
